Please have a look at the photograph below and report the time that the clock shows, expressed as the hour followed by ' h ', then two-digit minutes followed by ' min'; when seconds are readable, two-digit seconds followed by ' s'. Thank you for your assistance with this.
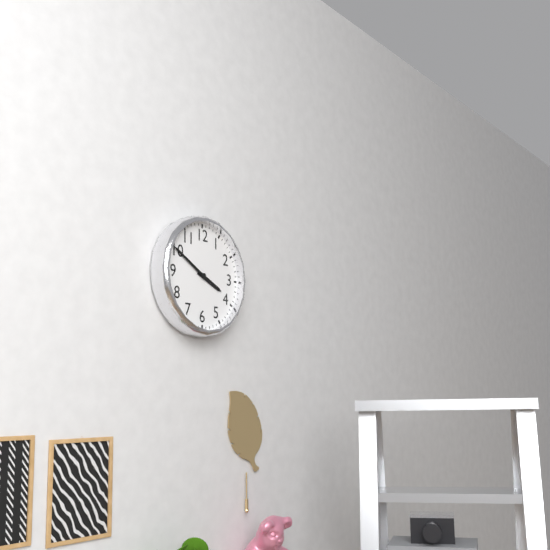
3 h 50 min
